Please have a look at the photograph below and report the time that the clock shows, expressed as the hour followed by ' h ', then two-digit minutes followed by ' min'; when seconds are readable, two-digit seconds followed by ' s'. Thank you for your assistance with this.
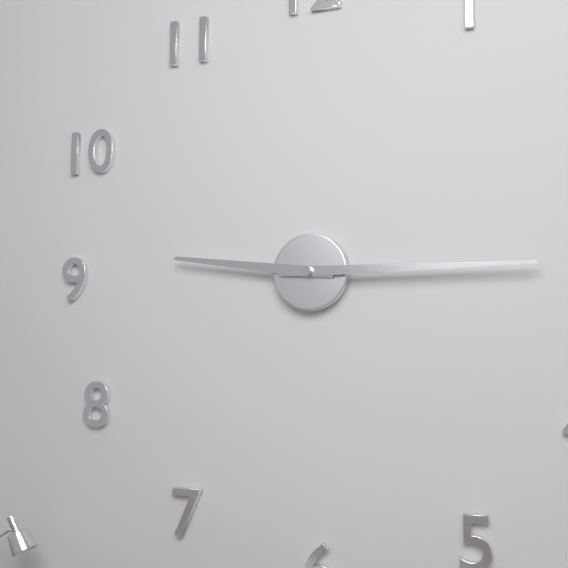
9 h 15 min
